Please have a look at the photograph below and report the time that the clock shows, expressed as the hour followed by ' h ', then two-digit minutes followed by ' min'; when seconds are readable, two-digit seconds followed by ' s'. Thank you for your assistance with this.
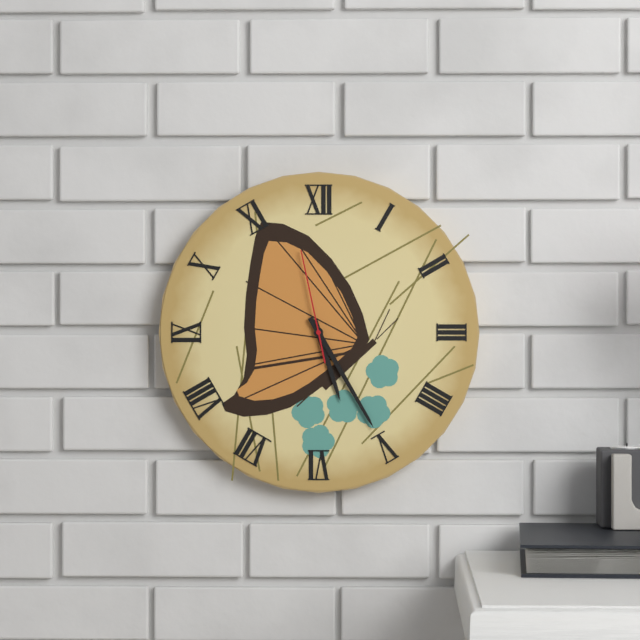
5 h 25 min 58 s
